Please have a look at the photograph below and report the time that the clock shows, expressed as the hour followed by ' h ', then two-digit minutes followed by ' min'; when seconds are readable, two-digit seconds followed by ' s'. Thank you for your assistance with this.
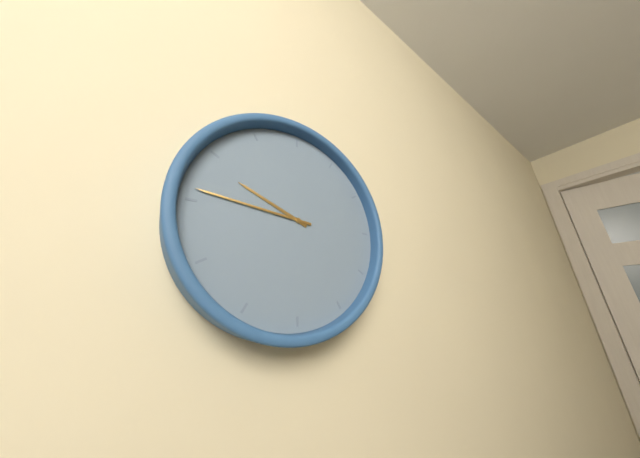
9 h 46 min
